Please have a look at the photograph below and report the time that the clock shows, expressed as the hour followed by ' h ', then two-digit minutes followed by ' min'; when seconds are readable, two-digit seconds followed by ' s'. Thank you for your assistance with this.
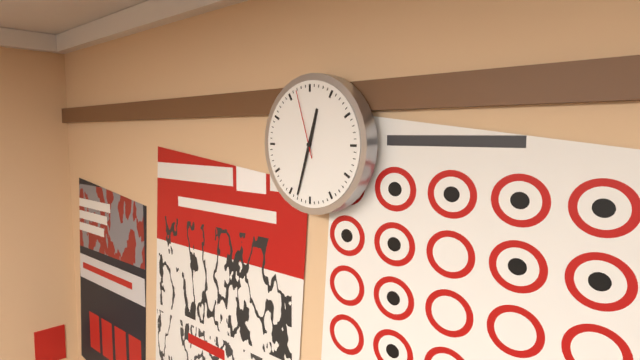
12 h 33 min 57 s
